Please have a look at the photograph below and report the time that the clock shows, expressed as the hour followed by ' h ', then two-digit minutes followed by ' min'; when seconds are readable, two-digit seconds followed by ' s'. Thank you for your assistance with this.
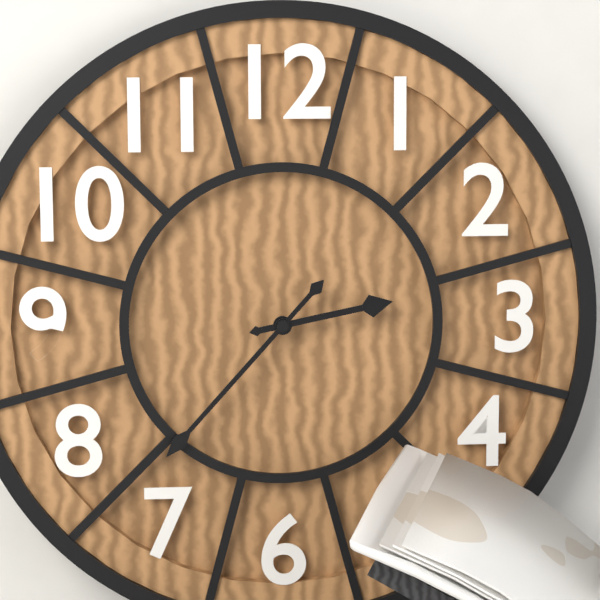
2 h 37 min
